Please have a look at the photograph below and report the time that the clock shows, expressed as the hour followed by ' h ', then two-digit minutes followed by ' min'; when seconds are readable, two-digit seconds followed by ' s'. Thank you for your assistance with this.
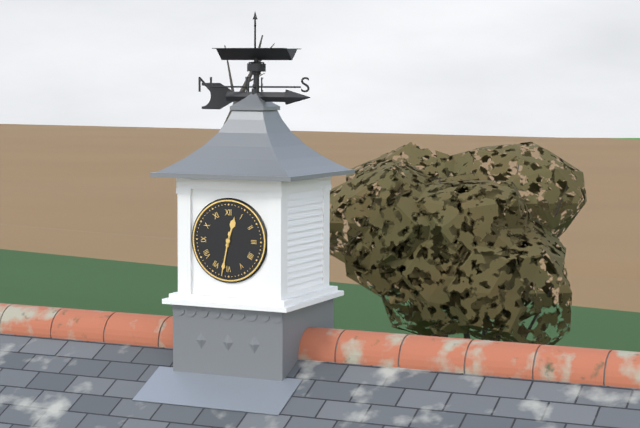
12 h 32 min
